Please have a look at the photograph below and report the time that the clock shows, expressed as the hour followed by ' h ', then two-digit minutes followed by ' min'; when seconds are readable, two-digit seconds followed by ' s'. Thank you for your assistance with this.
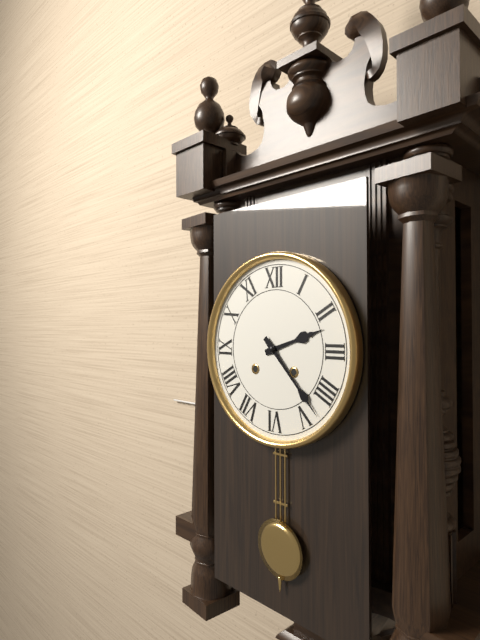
2 h 23 min
